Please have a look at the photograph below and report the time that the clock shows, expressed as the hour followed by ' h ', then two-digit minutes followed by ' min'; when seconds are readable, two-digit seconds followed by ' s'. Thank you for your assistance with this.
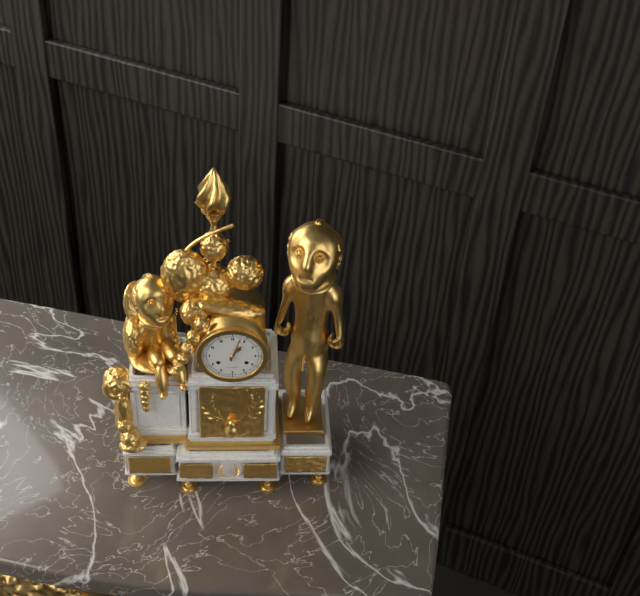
1 h 03 min
